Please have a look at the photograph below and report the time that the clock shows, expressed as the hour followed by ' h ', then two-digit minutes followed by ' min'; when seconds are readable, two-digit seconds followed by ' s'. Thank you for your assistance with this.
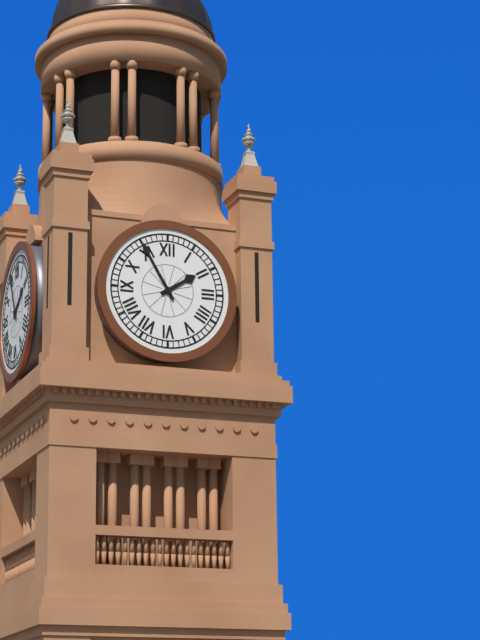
1 h 55 min
